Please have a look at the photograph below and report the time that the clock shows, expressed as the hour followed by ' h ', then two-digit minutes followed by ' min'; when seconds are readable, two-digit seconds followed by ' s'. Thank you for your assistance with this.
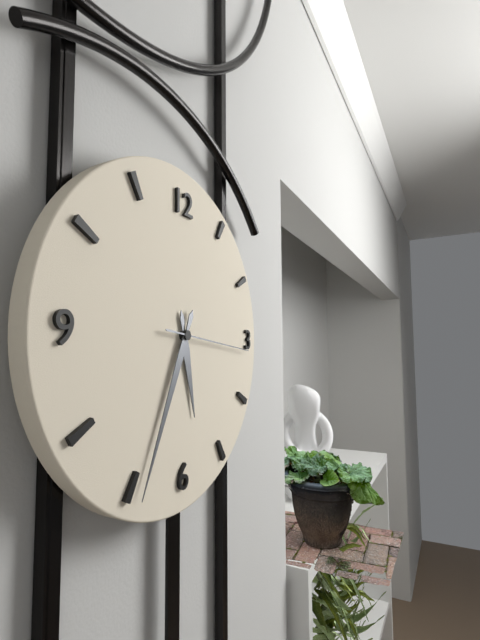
5 h 34 min 16 s
